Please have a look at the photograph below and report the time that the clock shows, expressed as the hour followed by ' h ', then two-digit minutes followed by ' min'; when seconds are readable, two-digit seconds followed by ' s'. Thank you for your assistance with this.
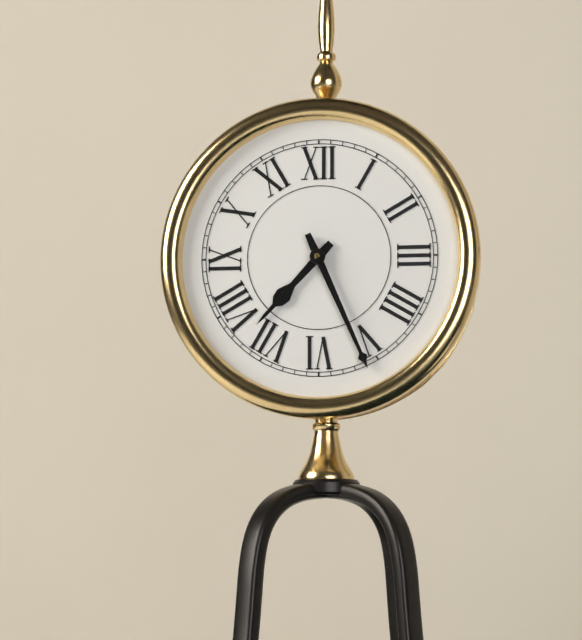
7 h 26 min
